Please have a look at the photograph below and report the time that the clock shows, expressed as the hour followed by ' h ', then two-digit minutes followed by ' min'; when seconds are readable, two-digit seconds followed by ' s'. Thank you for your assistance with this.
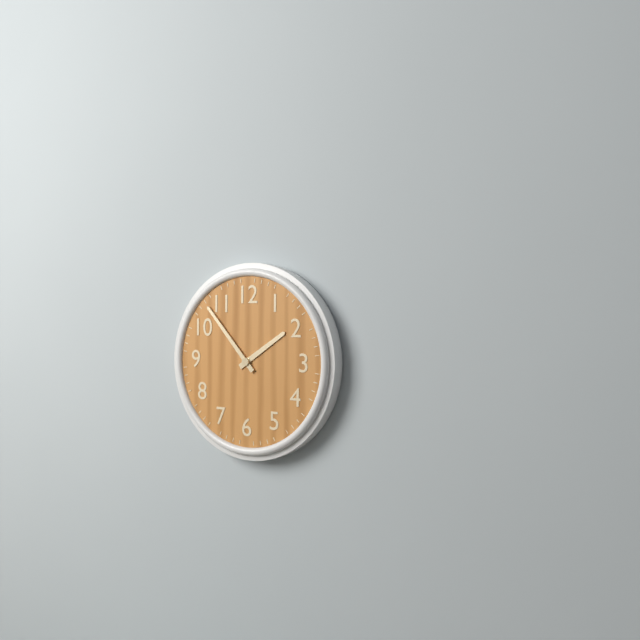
1 h 53 min
